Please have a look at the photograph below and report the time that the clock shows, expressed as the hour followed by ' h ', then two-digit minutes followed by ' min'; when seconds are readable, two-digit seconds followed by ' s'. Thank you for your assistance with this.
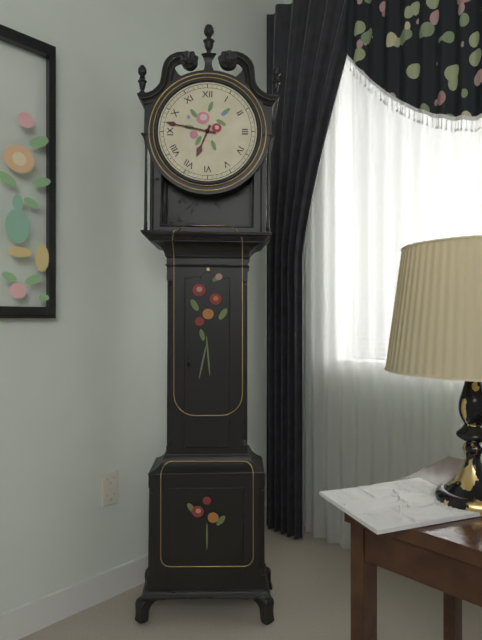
6 h 47 min
